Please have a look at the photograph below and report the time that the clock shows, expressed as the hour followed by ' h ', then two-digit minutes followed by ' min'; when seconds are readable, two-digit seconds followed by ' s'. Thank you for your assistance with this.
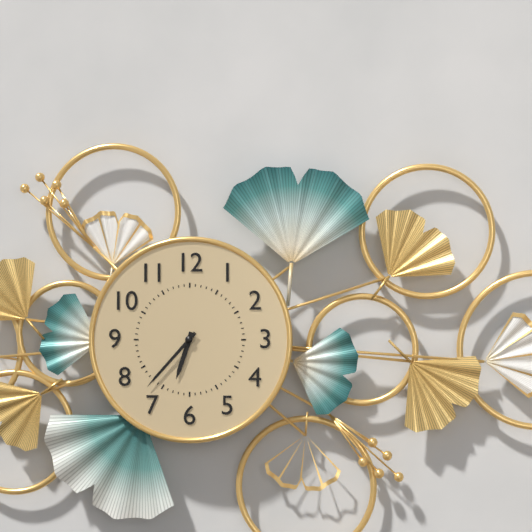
6 h 37 min
